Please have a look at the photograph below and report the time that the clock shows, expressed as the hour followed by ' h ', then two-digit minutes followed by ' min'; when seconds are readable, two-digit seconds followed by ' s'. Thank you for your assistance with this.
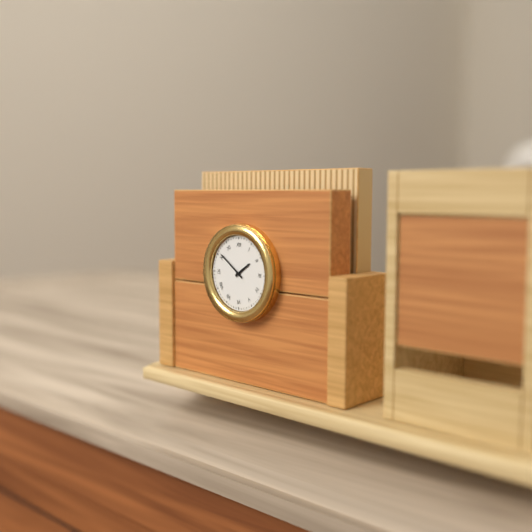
1 h 51 min
